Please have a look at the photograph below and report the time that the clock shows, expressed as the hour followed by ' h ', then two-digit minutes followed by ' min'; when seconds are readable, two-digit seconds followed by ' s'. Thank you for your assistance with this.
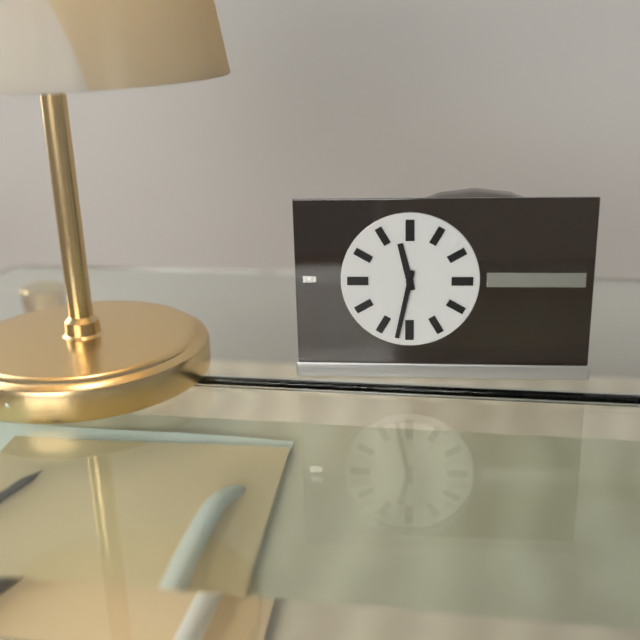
11 h 32 min
